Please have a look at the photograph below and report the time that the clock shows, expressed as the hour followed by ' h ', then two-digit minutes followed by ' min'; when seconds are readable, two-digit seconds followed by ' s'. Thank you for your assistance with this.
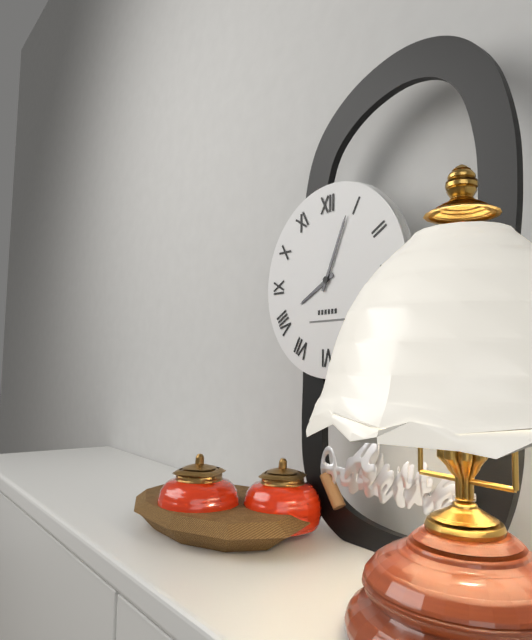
8 h 04 min
